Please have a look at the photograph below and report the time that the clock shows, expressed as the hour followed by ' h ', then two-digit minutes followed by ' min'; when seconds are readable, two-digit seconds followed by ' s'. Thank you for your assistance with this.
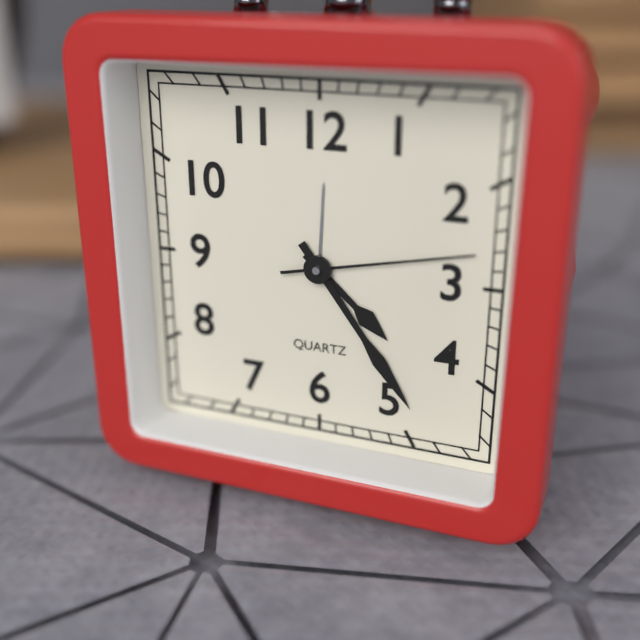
4 h 24 min 13 s
